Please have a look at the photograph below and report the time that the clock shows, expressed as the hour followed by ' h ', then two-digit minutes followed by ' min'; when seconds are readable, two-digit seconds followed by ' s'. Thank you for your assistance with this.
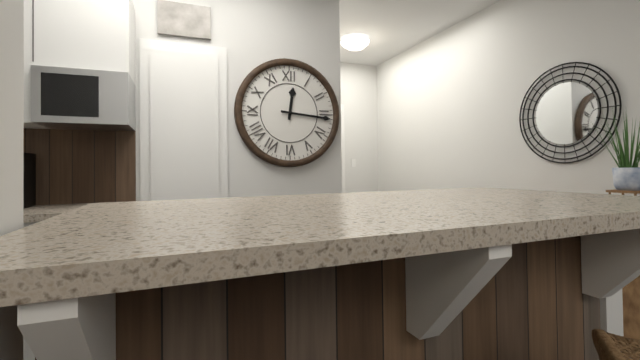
12 h 16 min
